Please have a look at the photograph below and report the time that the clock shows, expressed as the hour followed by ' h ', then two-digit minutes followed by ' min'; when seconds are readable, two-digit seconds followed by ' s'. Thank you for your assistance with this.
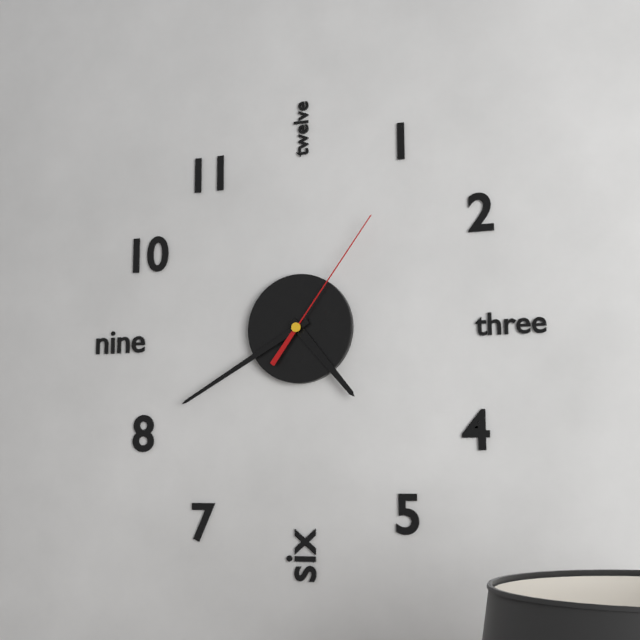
4 h 40 min 06 s
